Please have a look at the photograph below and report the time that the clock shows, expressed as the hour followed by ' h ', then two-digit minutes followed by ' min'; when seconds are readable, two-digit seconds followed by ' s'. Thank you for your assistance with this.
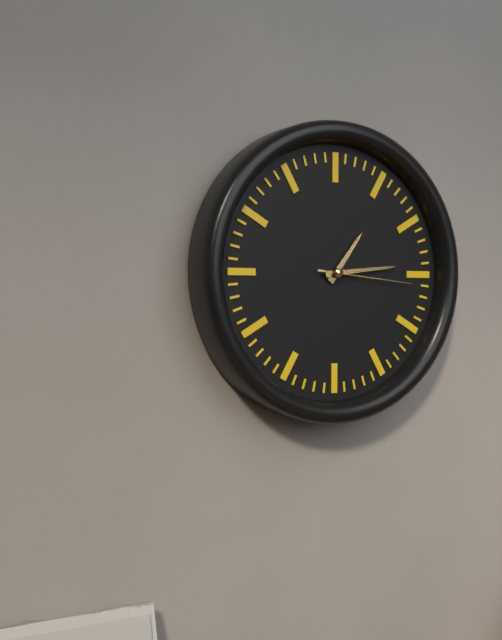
1 h 14 min 16 s
